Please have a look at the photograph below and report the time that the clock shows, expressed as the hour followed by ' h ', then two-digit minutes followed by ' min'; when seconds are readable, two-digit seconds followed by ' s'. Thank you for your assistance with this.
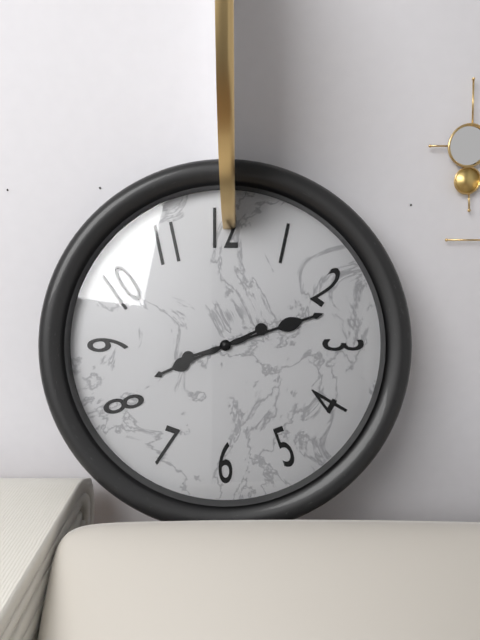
8 h 12 min
